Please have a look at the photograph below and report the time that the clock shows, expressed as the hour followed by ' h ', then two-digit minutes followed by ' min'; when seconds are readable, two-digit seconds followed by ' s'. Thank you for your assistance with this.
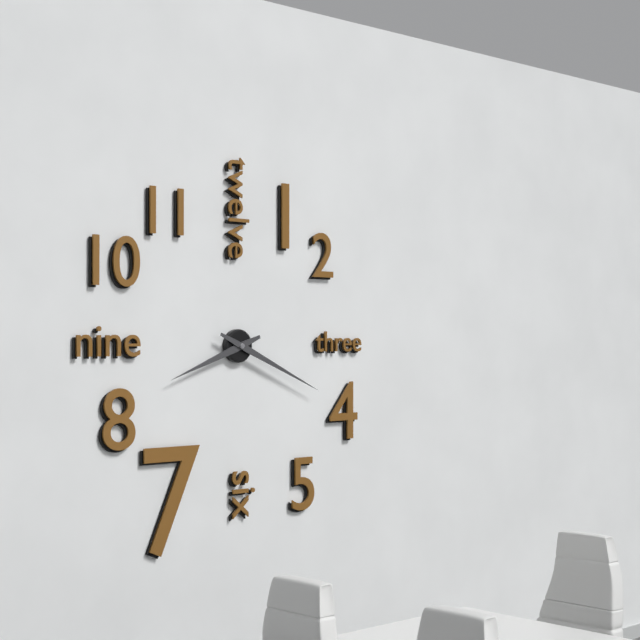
8 h 19 min
